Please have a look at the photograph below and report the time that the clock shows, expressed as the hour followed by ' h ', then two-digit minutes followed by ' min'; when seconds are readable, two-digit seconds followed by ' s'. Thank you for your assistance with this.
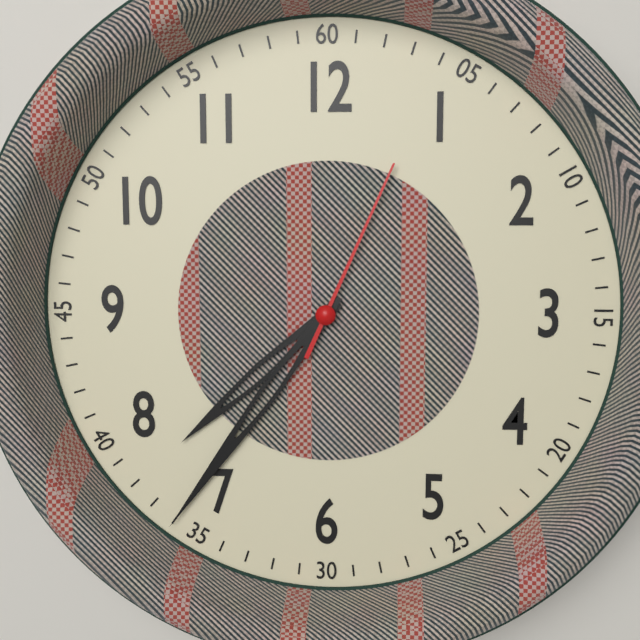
7 h 36 min 04 s
